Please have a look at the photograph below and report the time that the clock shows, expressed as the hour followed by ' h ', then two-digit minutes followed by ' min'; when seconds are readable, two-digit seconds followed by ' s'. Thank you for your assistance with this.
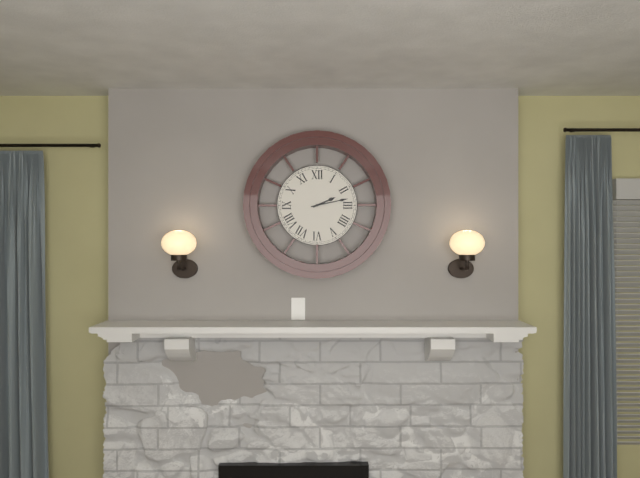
2 h 13 min
